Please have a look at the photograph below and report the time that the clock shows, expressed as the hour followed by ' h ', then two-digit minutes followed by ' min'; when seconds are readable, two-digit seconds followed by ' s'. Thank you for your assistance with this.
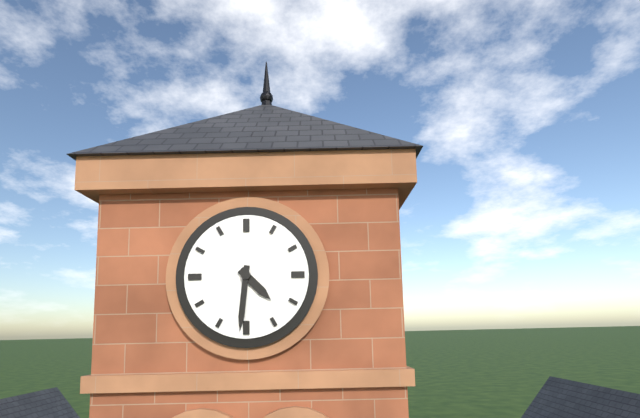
4 h 31 min
